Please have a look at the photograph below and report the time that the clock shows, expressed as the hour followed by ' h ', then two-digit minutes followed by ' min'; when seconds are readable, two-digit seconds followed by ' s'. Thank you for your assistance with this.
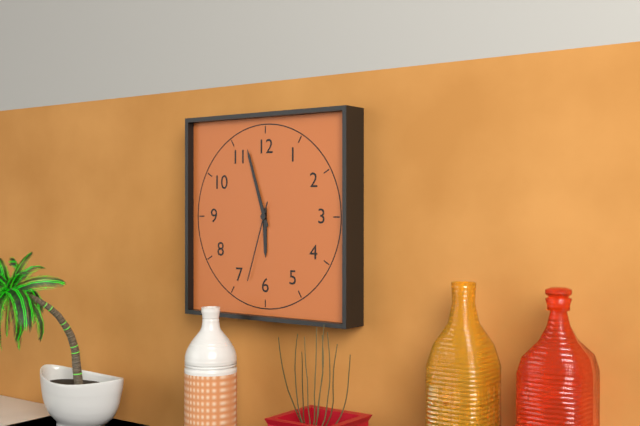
5 h 57 min 33 s
